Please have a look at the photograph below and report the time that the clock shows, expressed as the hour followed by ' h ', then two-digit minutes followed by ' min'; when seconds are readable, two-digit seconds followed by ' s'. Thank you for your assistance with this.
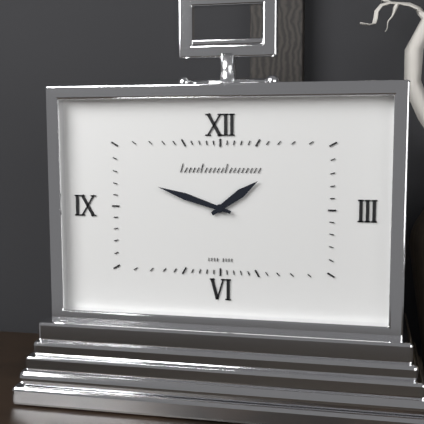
1 h 48 min
